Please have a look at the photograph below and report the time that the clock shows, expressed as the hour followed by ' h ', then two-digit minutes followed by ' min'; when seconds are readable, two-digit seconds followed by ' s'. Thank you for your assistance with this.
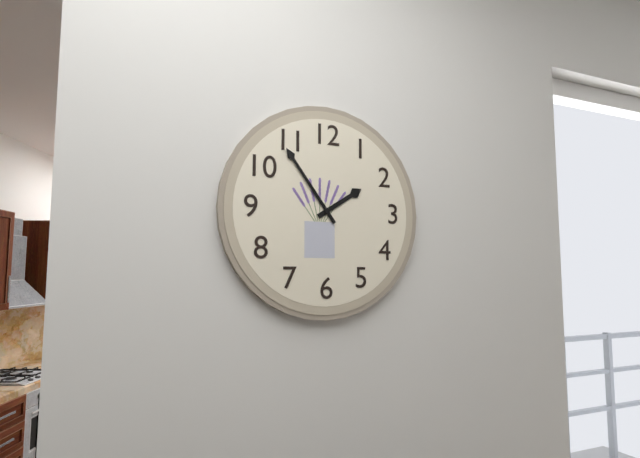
1 h 54 min
